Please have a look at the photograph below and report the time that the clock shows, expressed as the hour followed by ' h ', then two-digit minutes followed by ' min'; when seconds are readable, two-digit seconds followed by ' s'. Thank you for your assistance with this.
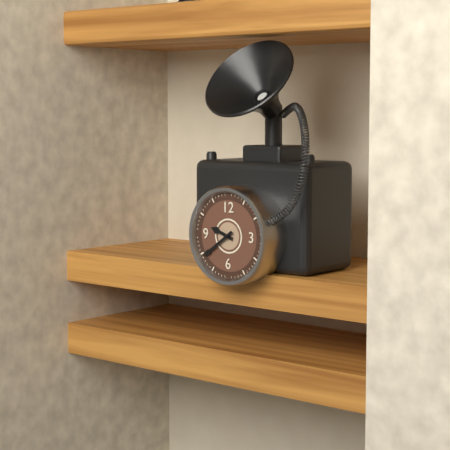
9 h 39 min
